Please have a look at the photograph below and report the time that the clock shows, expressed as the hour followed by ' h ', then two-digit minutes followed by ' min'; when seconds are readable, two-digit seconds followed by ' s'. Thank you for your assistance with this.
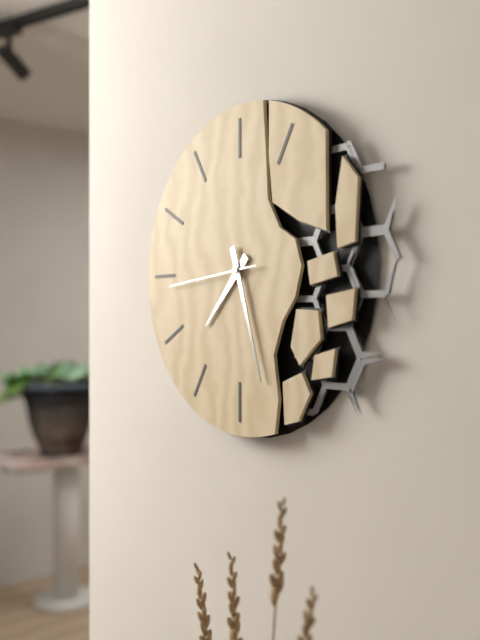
7 h 27 min 44 s
